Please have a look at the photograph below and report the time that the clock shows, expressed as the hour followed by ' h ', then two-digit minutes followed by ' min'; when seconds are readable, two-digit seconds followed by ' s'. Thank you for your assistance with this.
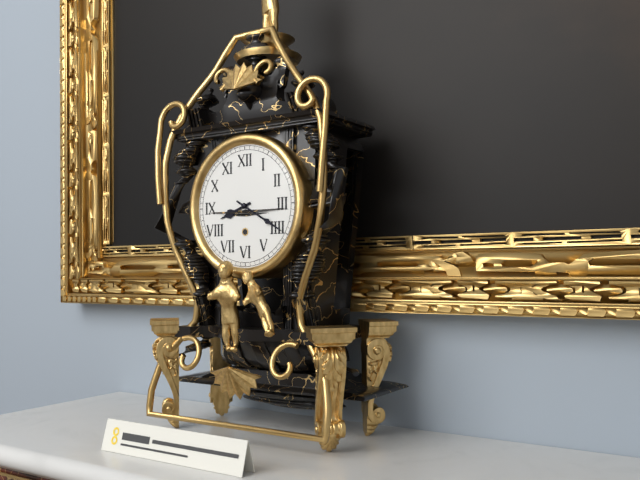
8 h 20 min
